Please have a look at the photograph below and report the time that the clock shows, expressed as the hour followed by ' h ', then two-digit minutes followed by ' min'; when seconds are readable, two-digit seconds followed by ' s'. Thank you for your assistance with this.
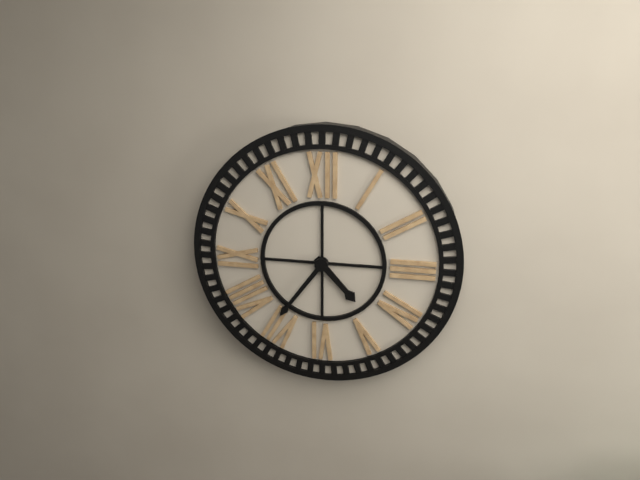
4 h 36 min
